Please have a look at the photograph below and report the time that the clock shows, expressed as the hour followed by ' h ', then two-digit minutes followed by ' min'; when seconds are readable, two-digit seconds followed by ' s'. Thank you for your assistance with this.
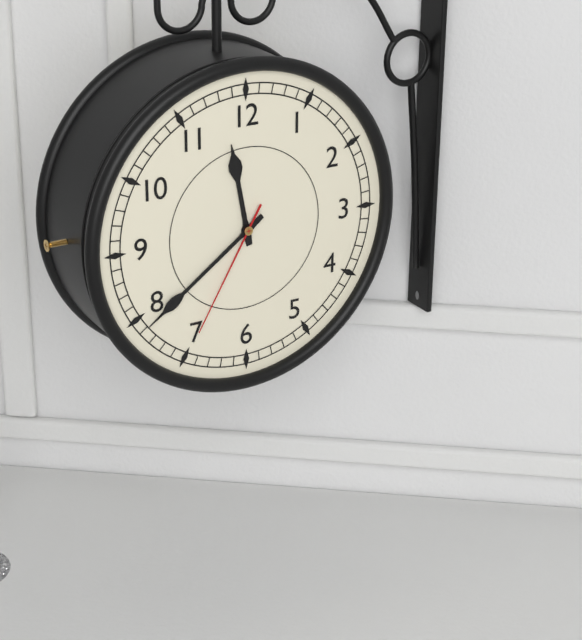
11 h 39 min 35 s
